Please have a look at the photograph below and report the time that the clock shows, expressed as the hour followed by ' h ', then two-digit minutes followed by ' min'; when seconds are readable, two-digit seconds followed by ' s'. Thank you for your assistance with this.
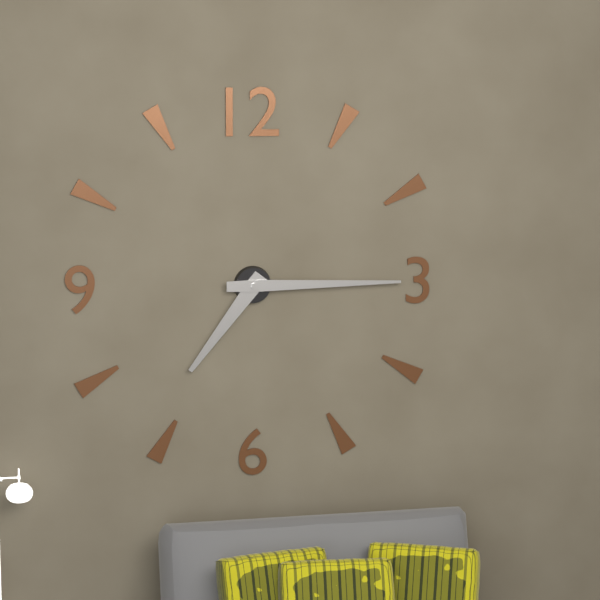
7 h 15 min
